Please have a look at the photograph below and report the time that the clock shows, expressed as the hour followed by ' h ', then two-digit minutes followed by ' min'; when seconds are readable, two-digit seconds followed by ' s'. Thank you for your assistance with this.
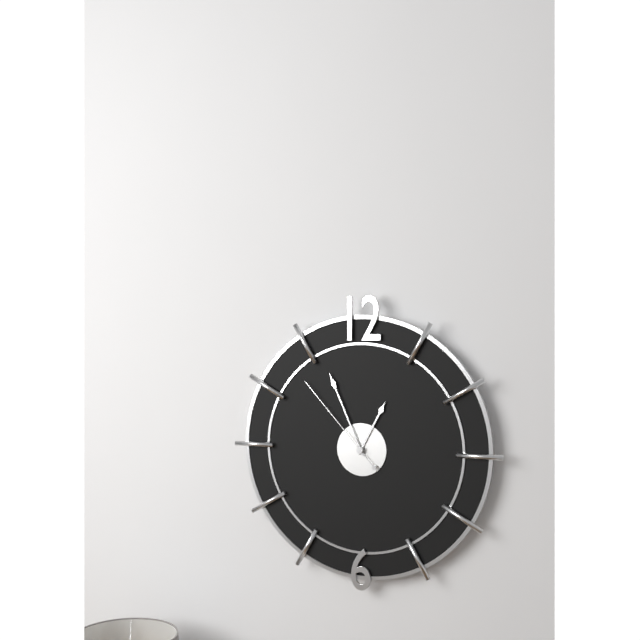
12 h 56 min 53 s
